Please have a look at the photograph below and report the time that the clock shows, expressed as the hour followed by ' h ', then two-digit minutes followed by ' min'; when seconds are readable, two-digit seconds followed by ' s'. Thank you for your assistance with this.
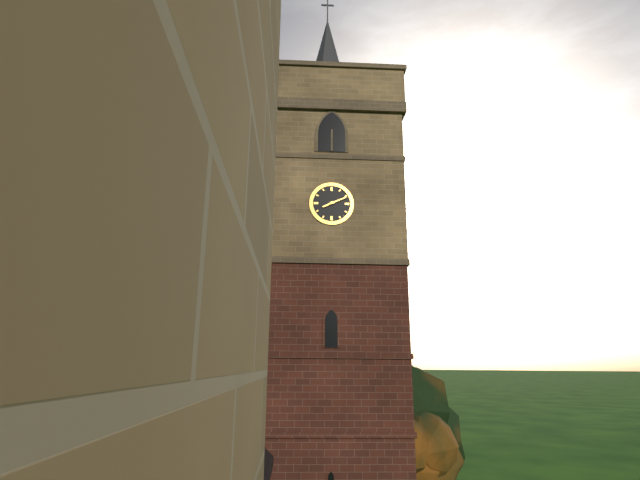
8 h 11 min
